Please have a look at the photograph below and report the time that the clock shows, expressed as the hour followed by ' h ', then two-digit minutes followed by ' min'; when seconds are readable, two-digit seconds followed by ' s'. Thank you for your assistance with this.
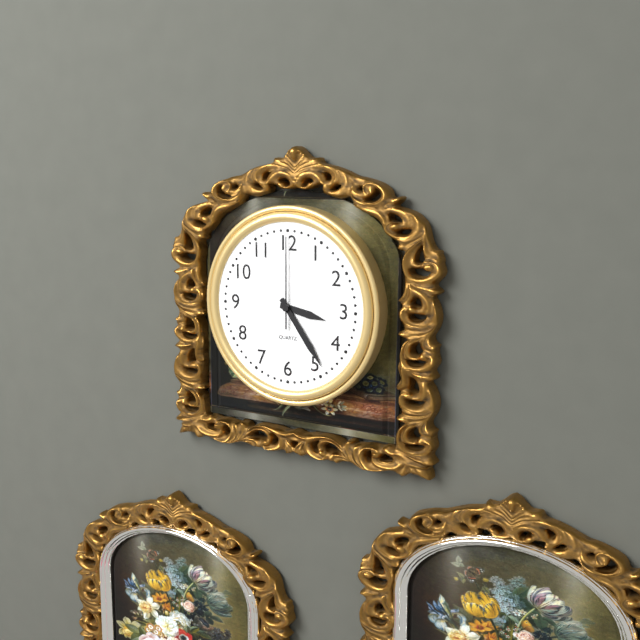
3 h 24 min 00 s
